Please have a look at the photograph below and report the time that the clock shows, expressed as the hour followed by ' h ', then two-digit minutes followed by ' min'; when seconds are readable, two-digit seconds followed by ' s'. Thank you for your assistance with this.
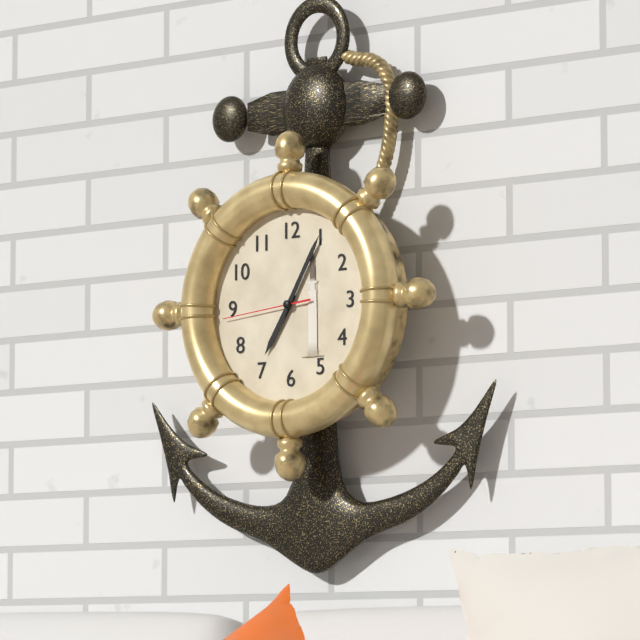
7 h 05 min 44 s
